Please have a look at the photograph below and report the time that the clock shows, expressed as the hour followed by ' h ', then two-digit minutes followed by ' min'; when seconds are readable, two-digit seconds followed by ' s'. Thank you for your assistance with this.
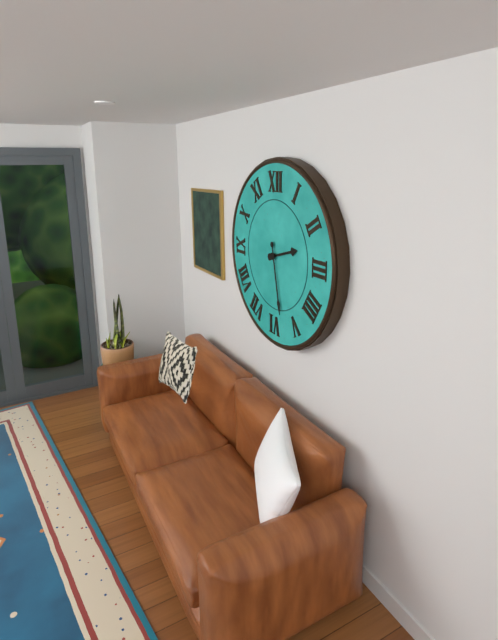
2 h 28 min
